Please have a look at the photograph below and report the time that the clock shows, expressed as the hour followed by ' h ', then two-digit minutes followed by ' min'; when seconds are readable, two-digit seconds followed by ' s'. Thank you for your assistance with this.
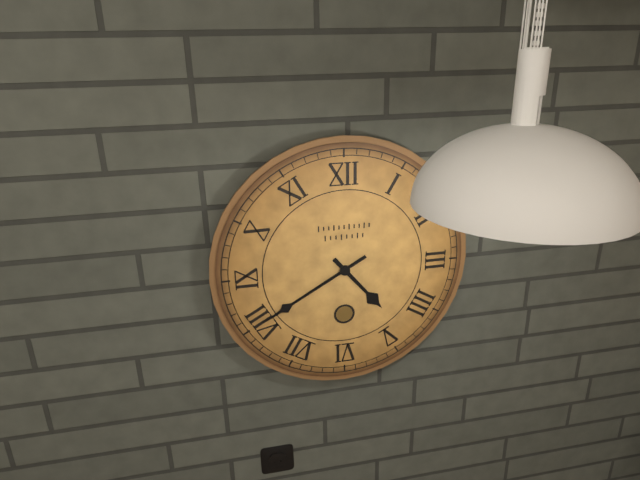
4 h 40 min
